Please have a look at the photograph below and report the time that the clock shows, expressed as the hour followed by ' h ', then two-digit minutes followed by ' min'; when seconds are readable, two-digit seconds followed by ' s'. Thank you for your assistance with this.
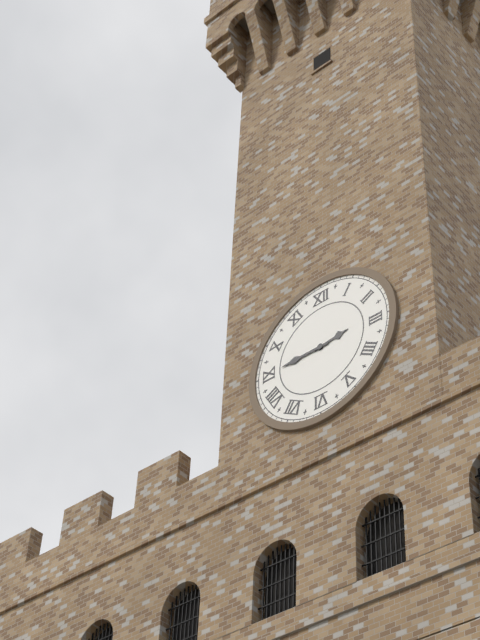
2 h 45 min
